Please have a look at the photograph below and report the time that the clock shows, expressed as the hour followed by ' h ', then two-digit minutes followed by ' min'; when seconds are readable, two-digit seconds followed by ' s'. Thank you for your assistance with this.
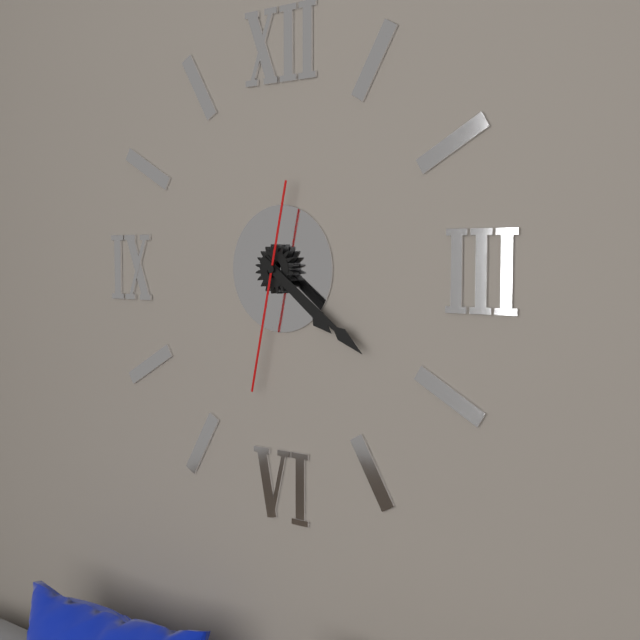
4 h 21 min 32 s
